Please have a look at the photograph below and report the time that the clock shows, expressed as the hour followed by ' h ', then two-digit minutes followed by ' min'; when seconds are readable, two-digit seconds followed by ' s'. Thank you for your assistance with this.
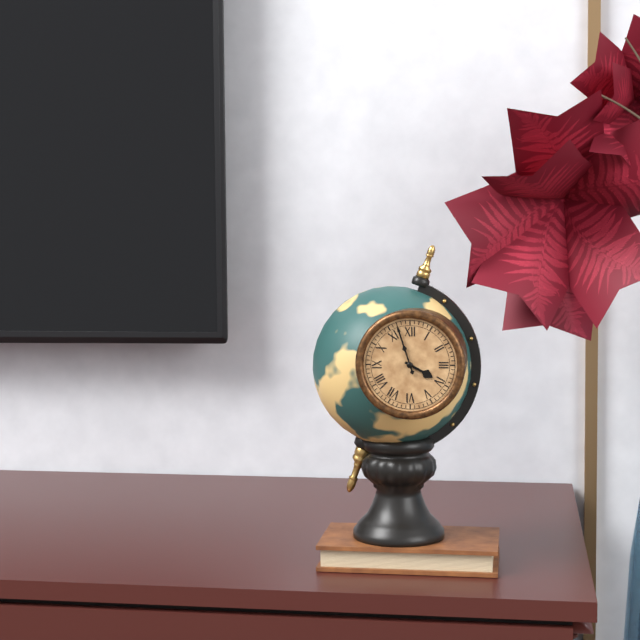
3 h 57 min
